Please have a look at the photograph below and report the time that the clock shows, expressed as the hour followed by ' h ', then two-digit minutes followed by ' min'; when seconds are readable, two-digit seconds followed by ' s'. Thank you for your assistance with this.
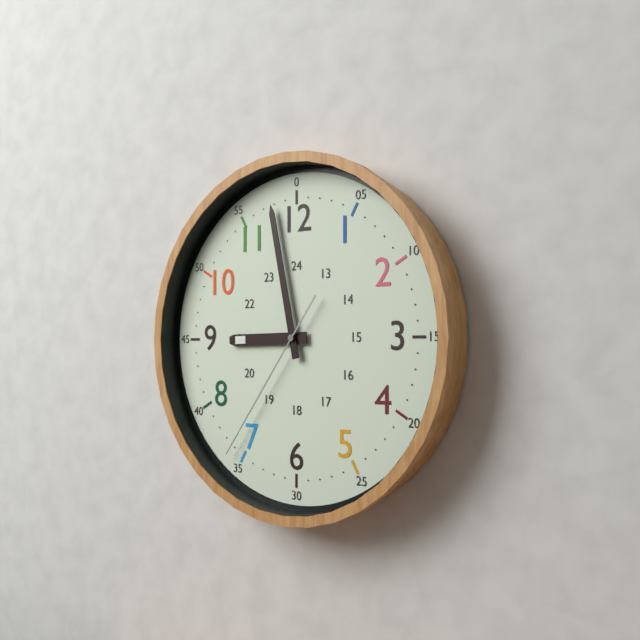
8 h 58 min 36 s
